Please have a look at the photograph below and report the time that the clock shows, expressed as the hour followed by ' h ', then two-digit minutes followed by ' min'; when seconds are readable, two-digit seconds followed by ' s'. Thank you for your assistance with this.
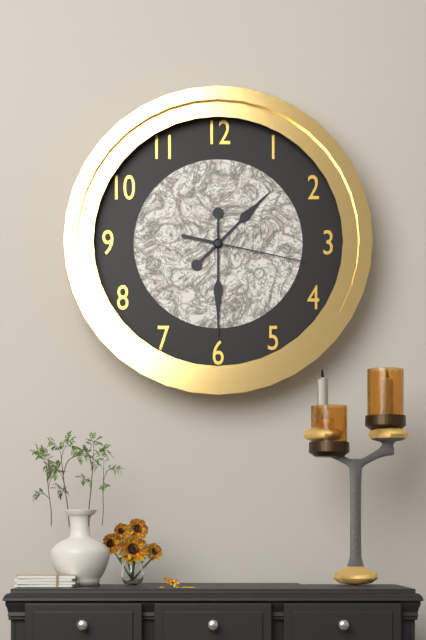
1 h 30 min 17 s
